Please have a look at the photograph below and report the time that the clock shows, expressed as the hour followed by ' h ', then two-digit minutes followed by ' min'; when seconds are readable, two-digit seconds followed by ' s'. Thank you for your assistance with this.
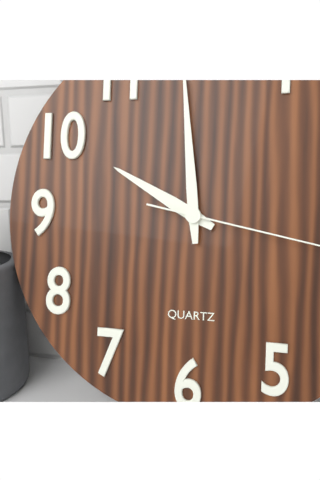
9 h 59 min
